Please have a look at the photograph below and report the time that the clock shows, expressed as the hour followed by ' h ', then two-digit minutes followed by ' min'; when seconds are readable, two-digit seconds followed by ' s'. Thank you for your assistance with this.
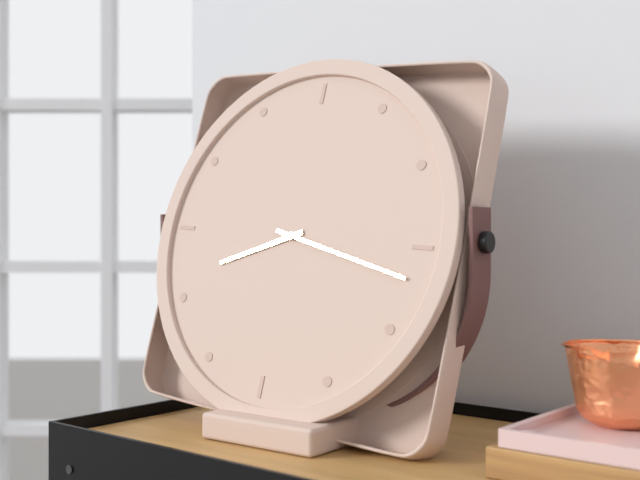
8 h 17 min
